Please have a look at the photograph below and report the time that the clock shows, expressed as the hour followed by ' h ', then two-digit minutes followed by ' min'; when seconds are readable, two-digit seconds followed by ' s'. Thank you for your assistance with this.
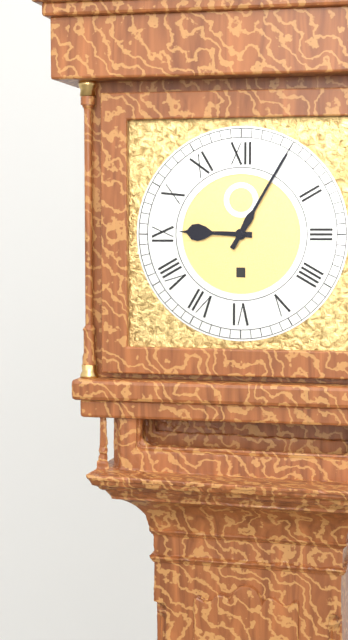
9 h 05 min
